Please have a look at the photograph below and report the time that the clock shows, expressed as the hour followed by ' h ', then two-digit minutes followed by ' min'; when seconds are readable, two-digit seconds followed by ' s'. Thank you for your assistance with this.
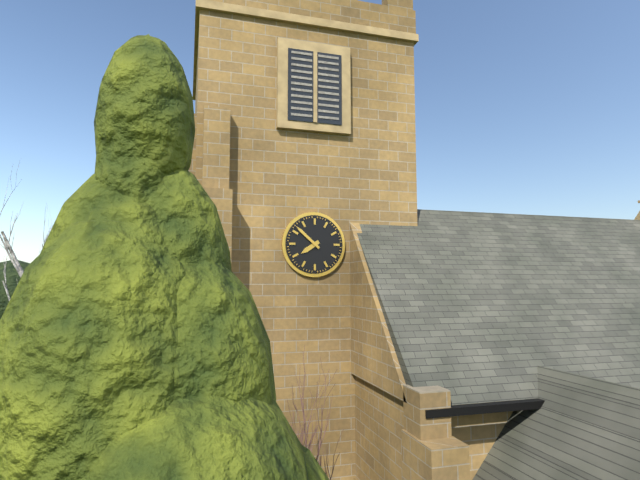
7 h 52 min
